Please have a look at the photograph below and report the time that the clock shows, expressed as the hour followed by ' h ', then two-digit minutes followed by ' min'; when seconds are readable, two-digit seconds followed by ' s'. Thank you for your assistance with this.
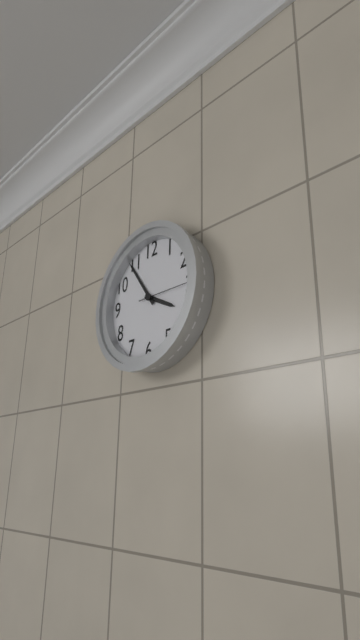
3 h 54 min 15 s
